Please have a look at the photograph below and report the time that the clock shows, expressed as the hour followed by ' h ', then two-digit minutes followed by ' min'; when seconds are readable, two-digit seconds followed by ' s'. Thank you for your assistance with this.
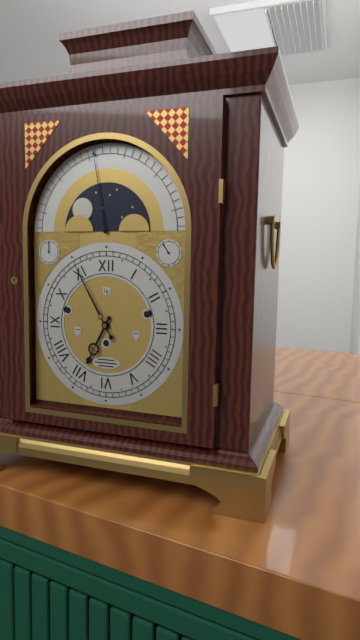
6 h 55 min
